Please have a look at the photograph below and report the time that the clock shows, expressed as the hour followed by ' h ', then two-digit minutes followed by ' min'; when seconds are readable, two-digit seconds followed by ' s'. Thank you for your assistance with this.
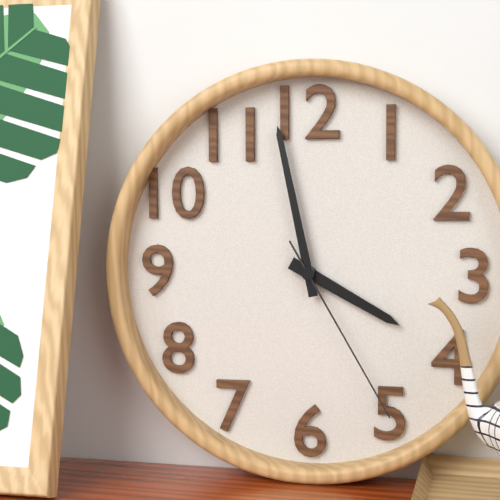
3 h 58 min 25 s
